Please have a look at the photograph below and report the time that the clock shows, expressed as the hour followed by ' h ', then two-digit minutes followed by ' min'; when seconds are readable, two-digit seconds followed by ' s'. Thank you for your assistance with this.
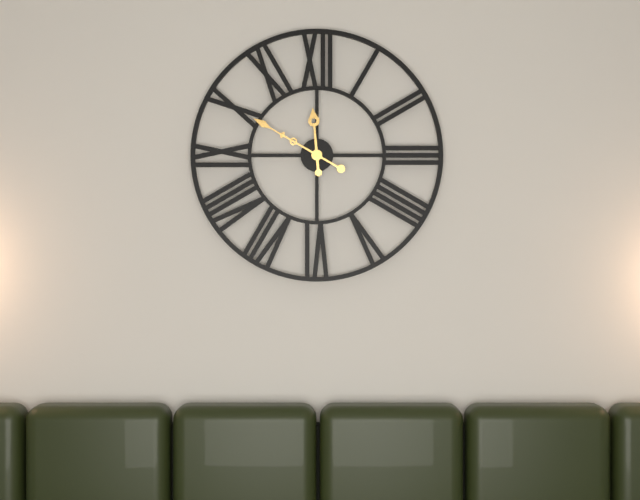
11 h 50 min
